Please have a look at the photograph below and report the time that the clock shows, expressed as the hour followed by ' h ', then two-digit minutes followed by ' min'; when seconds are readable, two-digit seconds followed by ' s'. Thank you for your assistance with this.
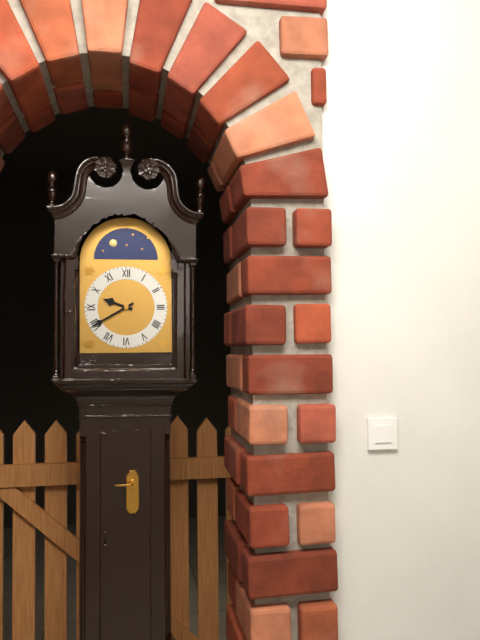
9 h 40 min
